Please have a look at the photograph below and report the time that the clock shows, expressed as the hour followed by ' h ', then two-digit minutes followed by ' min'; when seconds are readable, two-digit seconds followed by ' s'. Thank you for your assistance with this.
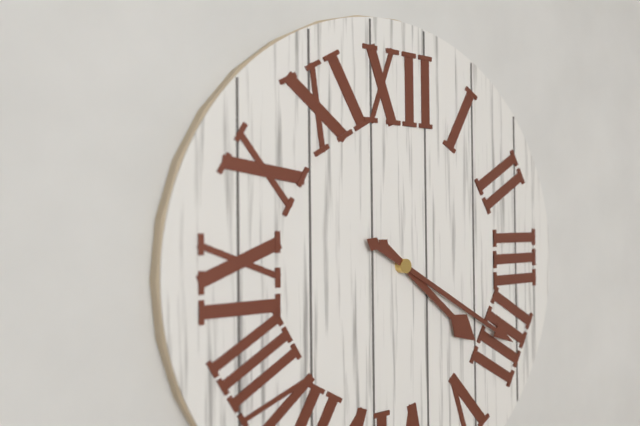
4 h 20 min
